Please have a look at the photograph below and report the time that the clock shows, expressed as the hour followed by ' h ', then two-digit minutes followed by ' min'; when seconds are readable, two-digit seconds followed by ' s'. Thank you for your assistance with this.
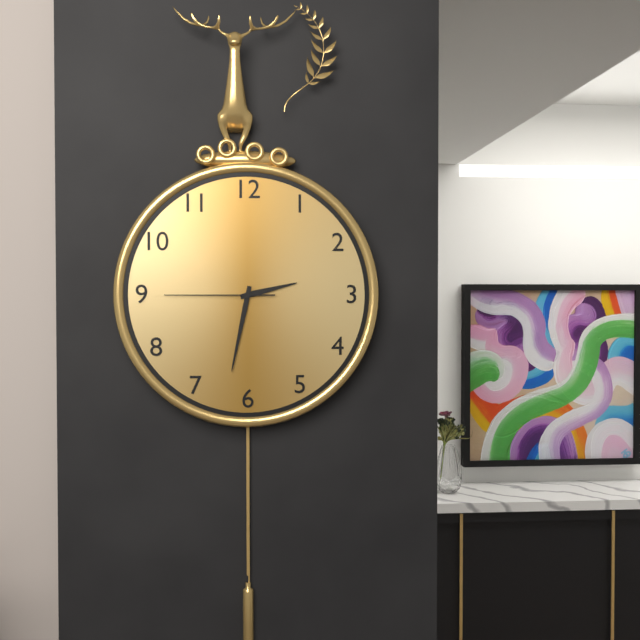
2 h 32 min 45 s
